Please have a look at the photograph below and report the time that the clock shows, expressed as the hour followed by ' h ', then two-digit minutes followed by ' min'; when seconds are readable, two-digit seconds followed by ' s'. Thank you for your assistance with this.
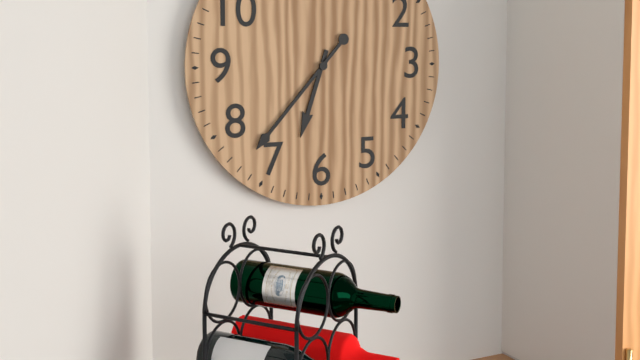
6 h 37 min
